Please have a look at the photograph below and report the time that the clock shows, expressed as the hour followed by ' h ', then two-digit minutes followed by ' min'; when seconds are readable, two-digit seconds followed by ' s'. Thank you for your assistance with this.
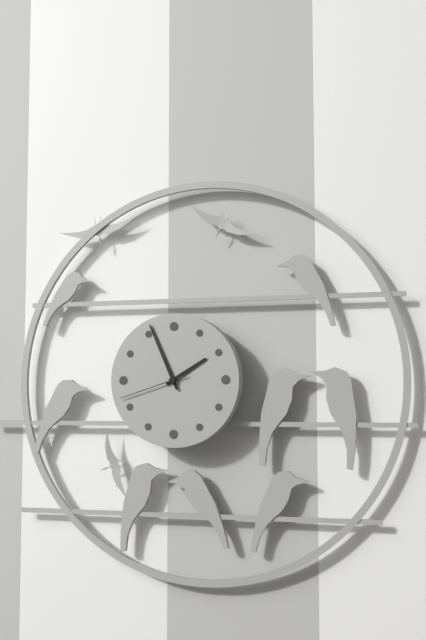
1 h 56 min 42 s
